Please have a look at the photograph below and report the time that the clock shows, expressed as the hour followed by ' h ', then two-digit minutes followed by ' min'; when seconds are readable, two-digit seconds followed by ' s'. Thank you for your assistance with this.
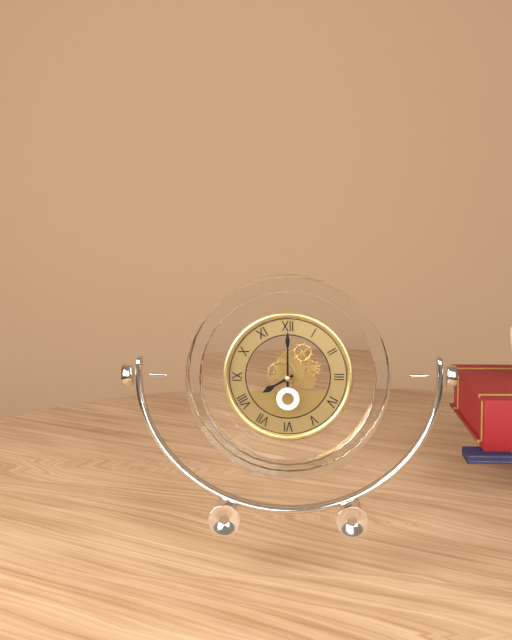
8 h 00 min
